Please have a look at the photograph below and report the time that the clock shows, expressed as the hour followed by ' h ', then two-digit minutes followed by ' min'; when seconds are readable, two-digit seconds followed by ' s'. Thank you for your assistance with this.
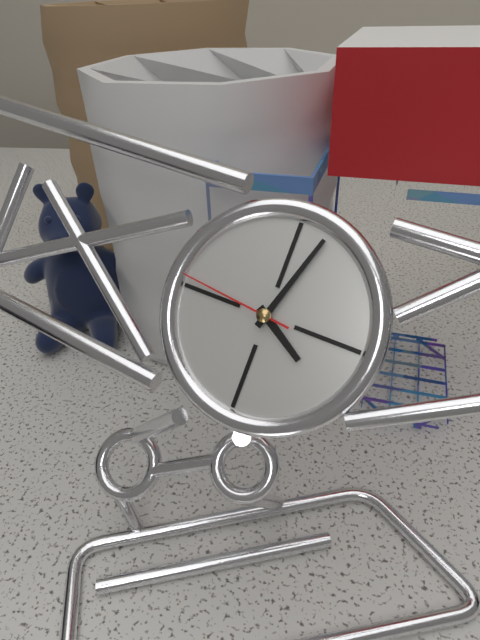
4 h 03 min 46 s
